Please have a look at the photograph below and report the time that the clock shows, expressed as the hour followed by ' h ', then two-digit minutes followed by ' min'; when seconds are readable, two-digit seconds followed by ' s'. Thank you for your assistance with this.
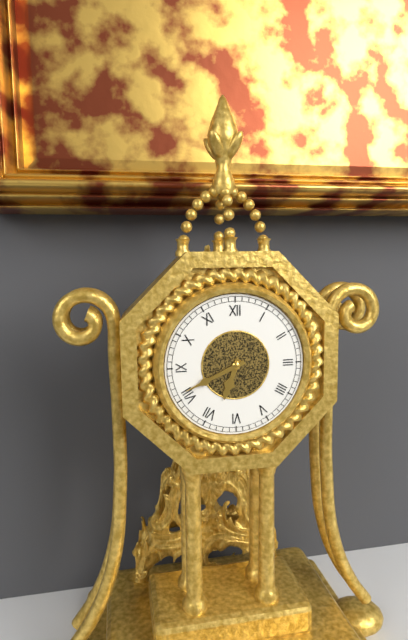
6 h 41 min
